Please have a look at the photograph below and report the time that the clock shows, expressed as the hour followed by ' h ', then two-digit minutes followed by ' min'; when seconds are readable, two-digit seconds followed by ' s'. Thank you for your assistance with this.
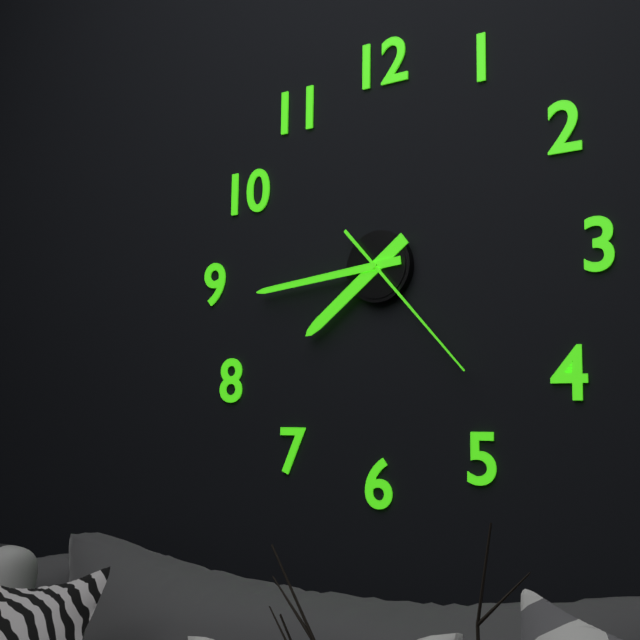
7 h 44 min 23 s
